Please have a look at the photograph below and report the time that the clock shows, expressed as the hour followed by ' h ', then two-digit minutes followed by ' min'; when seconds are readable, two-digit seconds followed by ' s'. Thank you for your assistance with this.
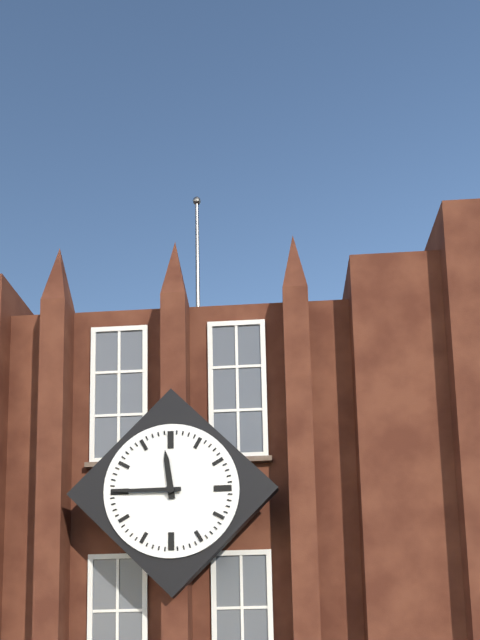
11 h 45 min
